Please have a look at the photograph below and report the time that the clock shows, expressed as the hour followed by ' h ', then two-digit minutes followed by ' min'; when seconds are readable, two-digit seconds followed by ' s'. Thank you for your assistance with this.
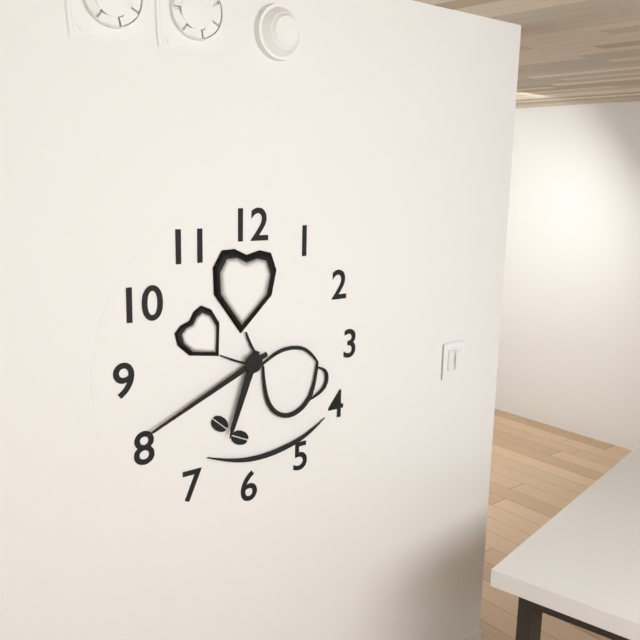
6 h 41 min
